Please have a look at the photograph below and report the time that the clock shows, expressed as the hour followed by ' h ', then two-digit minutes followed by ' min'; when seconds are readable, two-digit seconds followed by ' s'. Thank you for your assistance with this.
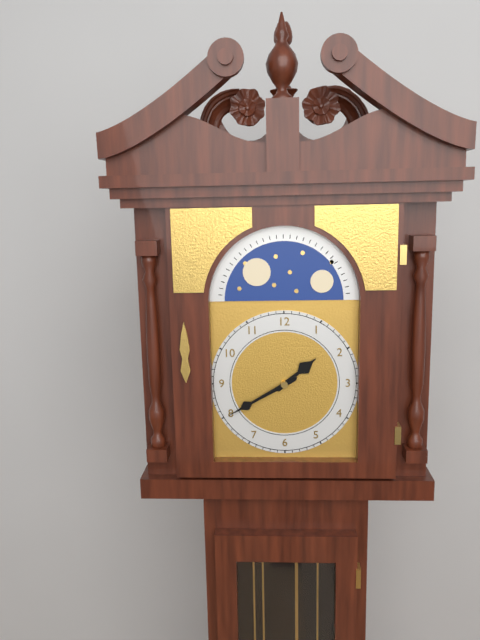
1 h 40 min
